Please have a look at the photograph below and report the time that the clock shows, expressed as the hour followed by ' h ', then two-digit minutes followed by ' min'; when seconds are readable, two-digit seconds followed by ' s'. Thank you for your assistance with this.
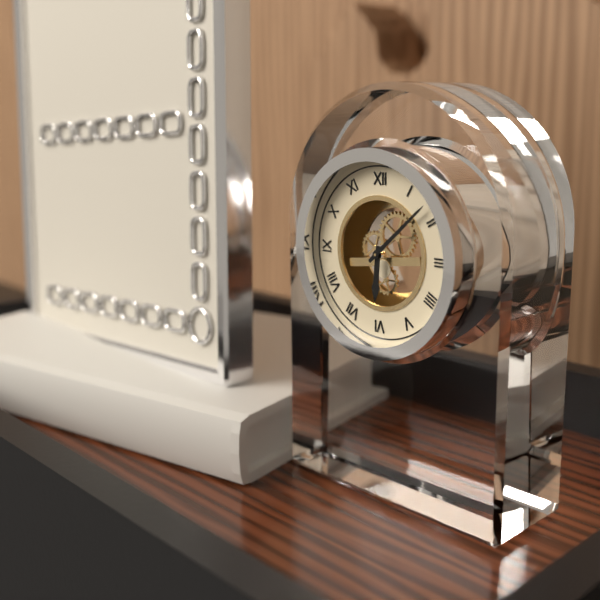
6 h 08 min
